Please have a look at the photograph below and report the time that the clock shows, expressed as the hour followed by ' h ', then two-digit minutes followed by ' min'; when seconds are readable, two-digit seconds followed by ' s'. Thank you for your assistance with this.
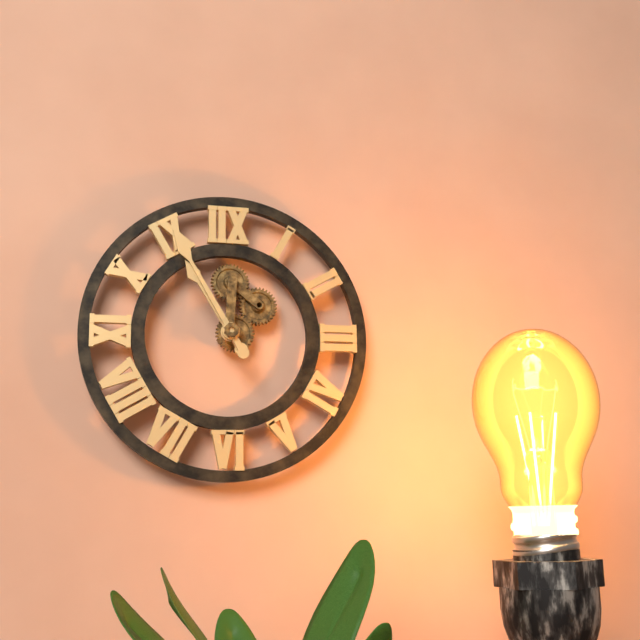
10 h 55 min
